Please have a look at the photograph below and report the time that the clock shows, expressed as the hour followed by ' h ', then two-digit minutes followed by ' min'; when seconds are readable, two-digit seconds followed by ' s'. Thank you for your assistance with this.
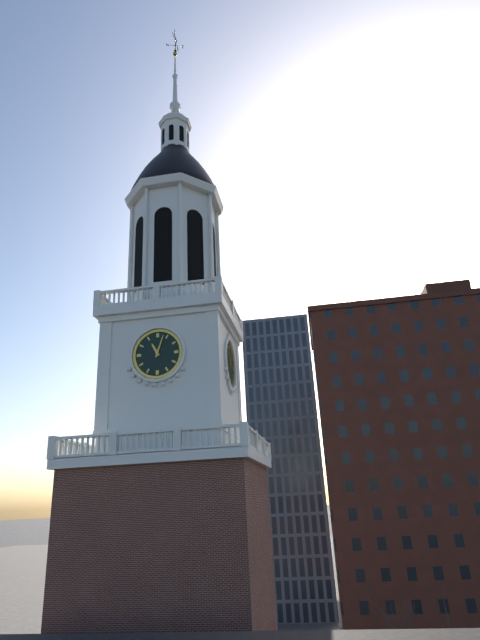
11 h 03 min
